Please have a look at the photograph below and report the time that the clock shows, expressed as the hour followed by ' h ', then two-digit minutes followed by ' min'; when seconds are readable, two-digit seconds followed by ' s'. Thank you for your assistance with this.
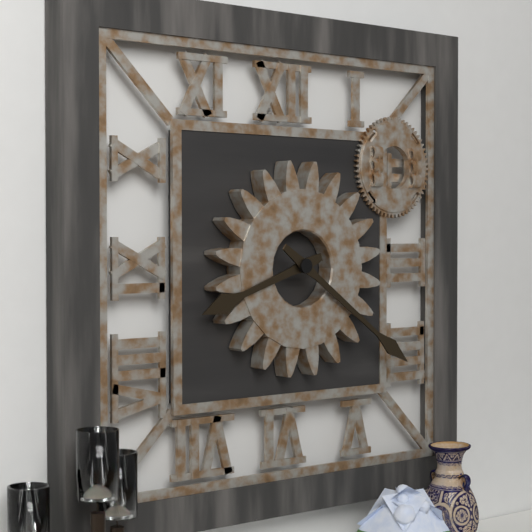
8 h 21 min
